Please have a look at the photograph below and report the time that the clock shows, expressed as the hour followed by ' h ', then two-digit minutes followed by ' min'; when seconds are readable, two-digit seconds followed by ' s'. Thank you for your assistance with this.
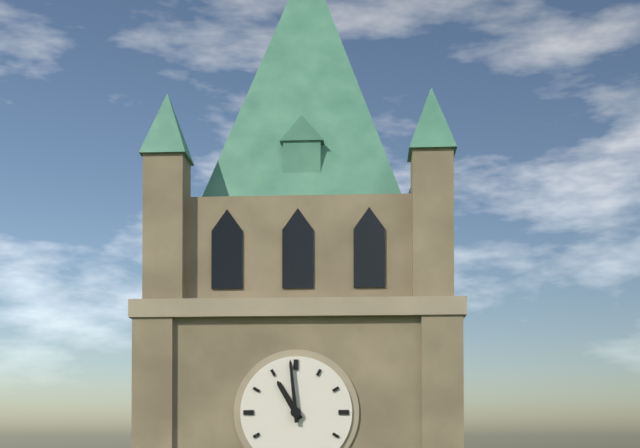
10 h 59 min
